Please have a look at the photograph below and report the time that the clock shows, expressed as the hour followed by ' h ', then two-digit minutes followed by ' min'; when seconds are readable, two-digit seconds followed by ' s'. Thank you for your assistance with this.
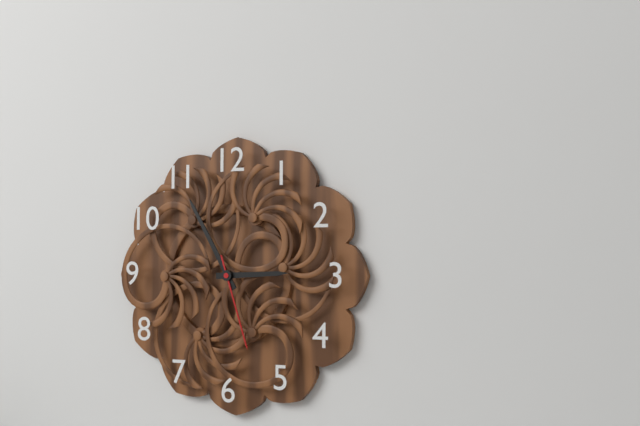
2 h 55 min 27 s
